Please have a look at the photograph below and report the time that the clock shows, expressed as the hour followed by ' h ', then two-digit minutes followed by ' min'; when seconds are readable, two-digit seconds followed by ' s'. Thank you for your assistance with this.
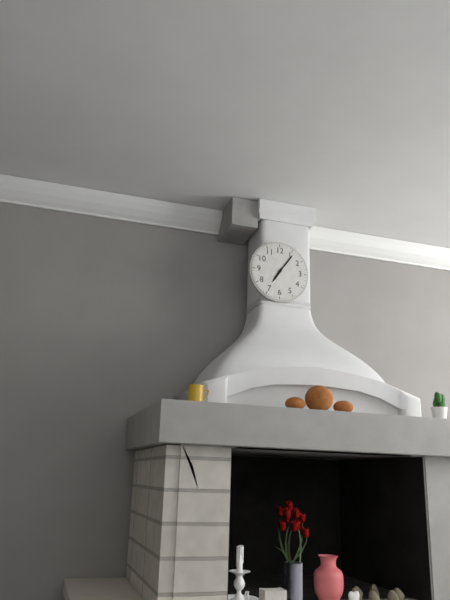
7 h 06 min
